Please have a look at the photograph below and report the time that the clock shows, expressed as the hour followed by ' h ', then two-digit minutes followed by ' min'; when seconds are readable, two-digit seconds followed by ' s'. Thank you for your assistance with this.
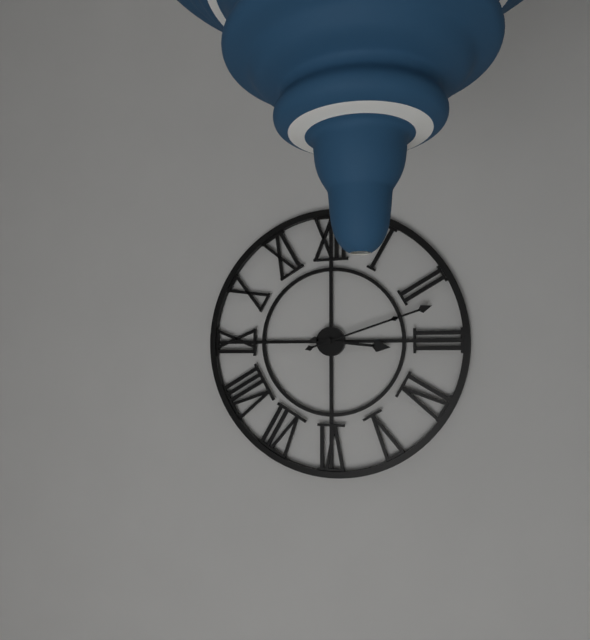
3 h 12 min
